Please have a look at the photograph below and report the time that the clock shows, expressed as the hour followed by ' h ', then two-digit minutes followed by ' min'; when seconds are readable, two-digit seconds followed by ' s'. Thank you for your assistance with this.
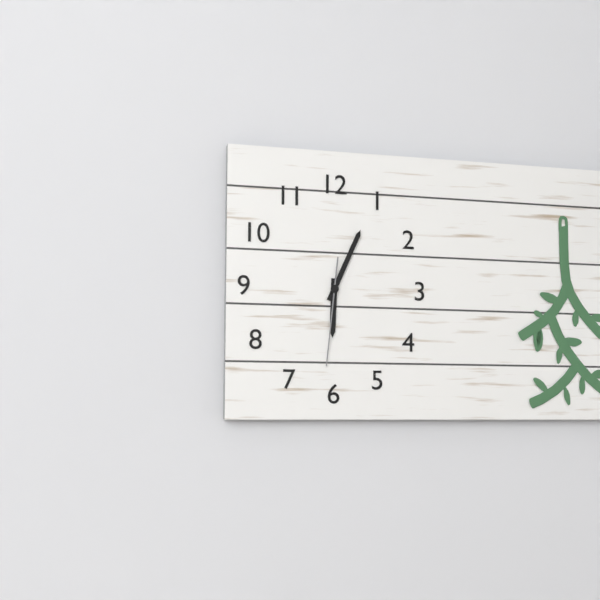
6 h 04 min 31 s
